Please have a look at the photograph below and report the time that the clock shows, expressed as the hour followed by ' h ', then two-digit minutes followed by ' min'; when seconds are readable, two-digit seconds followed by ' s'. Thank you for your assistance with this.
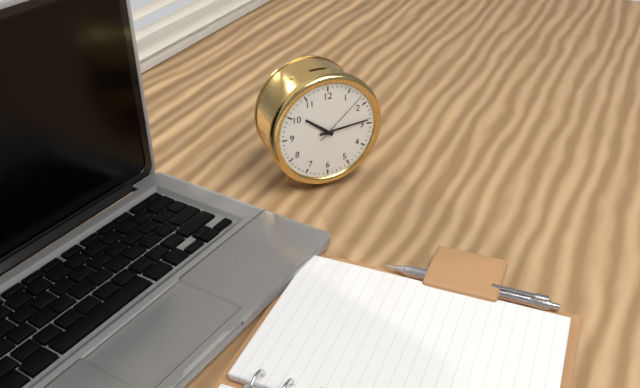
10 h 14 min 08 s
